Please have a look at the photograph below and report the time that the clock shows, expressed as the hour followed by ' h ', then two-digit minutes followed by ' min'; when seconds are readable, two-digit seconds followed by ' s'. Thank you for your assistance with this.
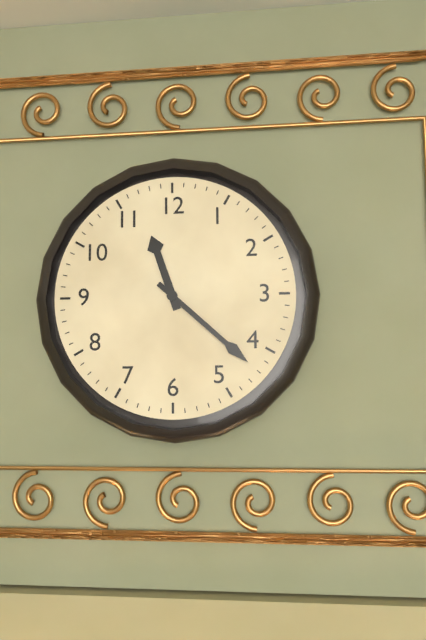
11 h 22 min
